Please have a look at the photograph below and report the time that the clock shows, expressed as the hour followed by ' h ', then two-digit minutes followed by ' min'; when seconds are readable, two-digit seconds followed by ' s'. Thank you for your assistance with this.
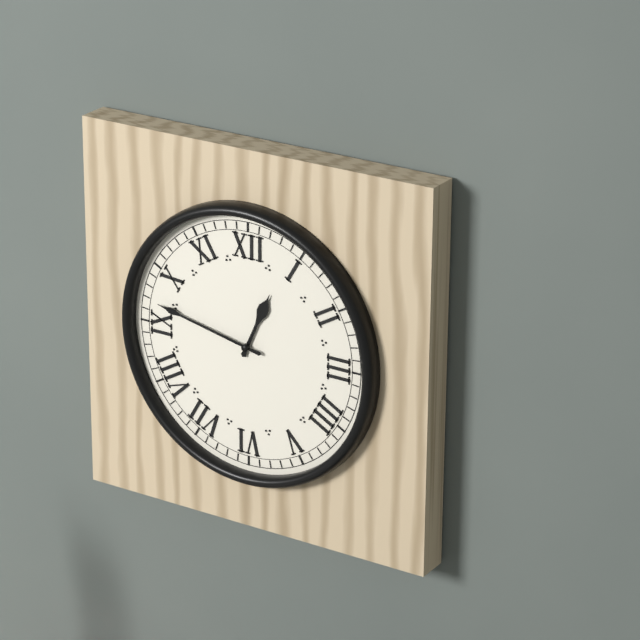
12 h 47 min
